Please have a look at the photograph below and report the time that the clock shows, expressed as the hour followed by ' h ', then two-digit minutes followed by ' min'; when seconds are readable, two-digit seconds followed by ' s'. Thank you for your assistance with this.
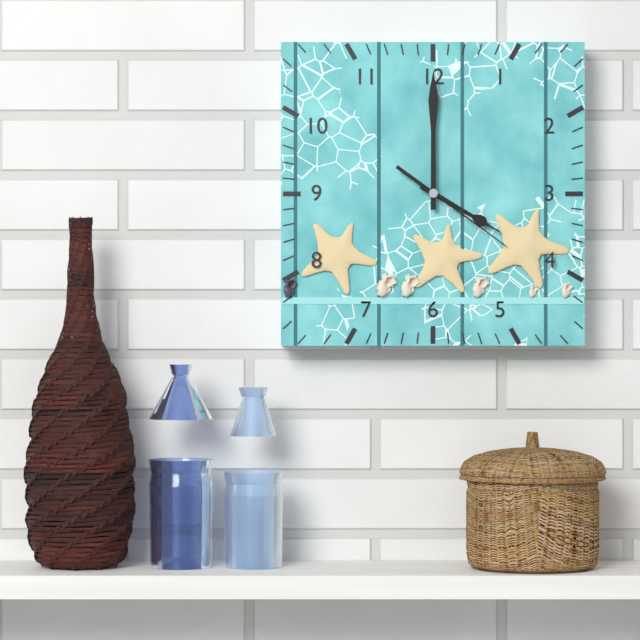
4 h 00 min 21 s
